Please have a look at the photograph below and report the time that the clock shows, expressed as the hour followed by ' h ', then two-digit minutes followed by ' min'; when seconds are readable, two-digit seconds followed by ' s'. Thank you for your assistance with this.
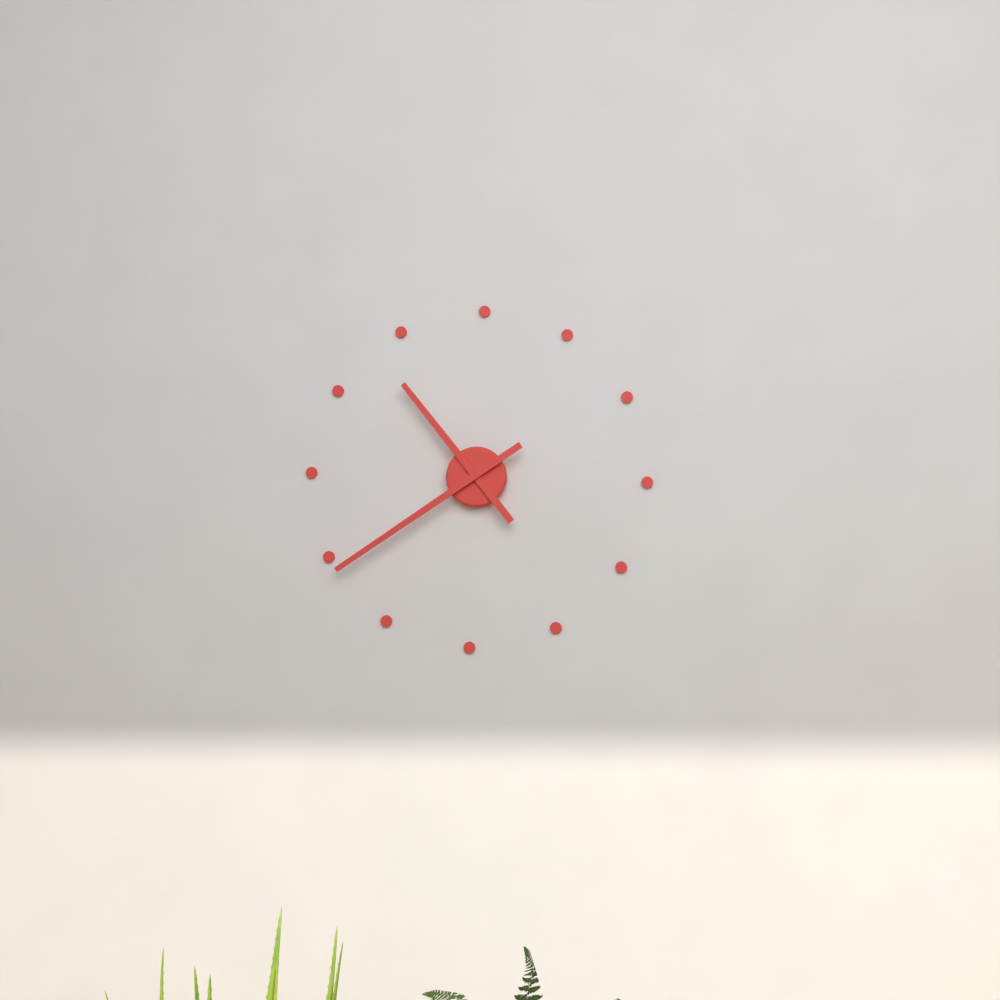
10 h 39 min
